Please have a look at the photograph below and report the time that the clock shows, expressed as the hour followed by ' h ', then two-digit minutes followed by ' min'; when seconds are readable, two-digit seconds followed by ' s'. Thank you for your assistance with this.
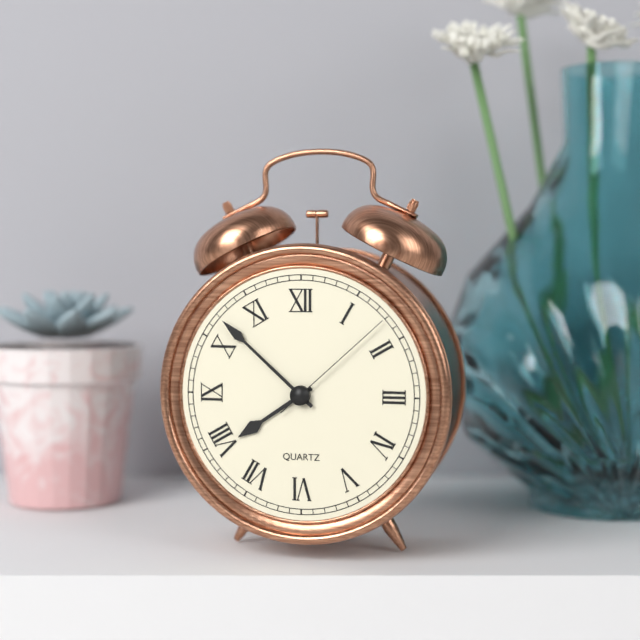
7 h 52 min 08 s
